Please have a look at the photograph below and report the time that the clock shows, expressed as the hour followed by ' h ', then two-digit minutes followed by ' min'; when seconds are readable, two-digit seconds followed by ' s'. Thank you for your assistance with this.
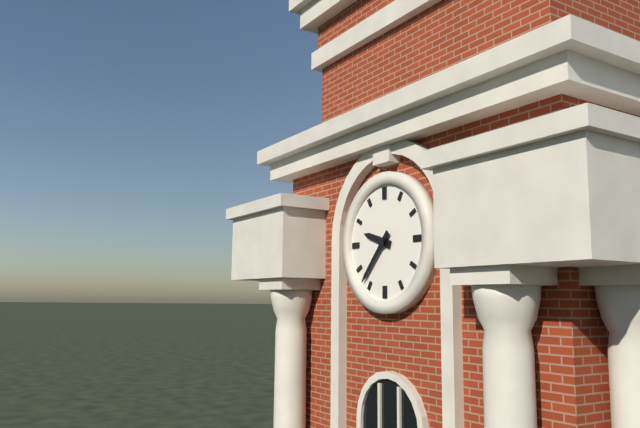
9 h 37 min
